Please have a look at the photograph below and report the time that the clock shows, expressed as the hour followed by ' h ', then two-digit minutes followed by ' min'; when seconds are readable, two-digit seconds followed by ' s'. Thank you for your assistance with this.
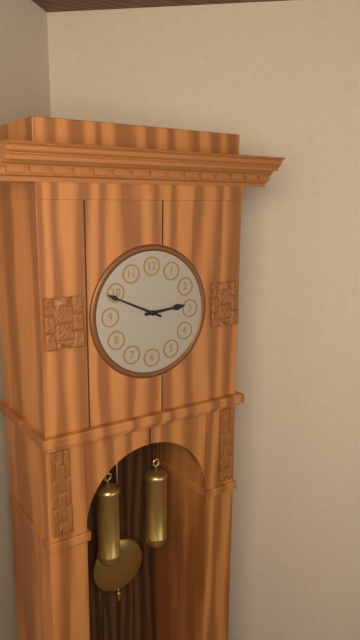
2 h 49 min
